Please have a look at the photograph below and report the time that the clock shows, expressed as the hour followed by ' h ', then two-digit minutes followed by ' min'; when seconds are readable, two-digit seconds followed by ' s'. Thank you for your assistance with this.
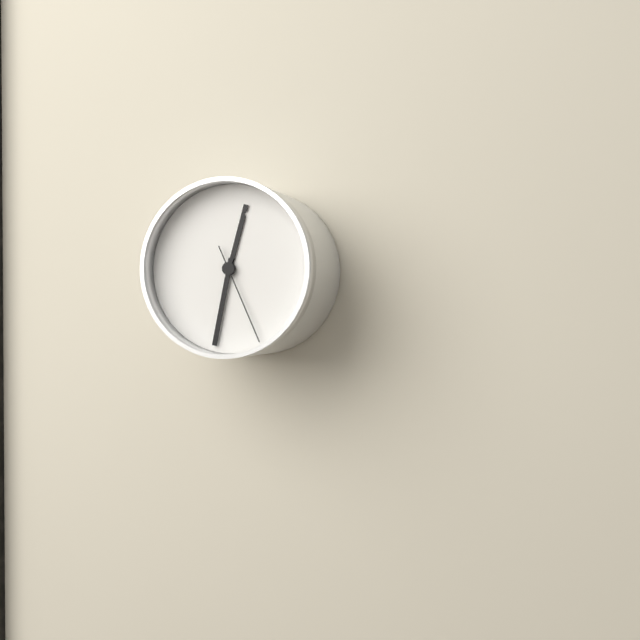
12 h 32 min 26 s
